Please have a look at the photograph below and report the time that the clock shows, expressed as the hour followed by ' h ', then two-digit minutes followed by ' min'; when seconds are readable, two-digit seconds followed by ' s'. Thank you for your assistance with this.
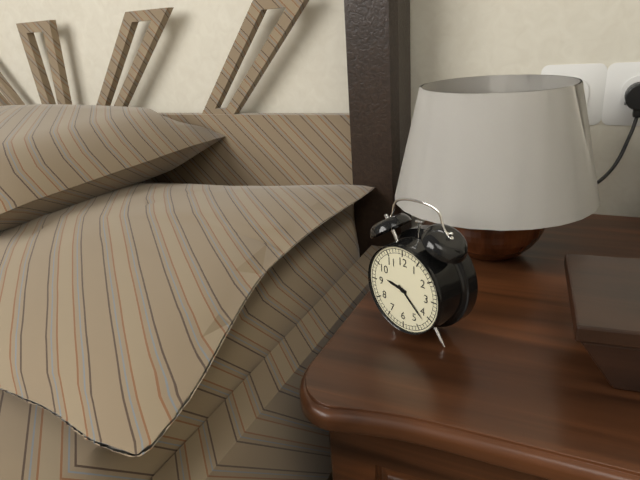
9 h 22 min
